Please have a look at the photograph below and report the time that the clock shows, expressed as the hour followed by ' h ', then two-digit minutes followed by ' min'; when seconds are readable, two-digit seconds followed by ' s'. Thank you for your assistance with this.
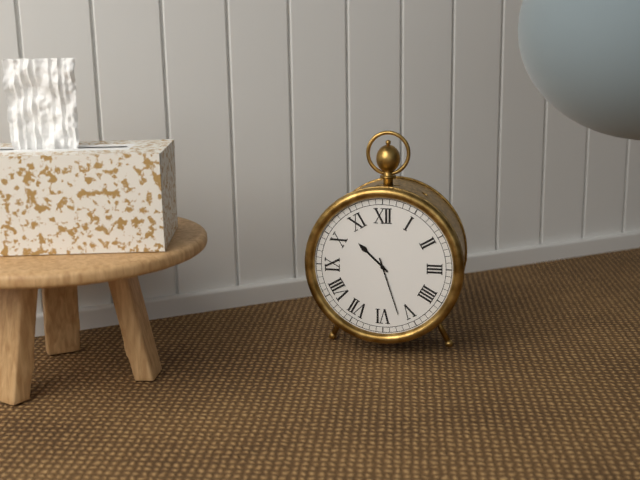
10 h 27 min
